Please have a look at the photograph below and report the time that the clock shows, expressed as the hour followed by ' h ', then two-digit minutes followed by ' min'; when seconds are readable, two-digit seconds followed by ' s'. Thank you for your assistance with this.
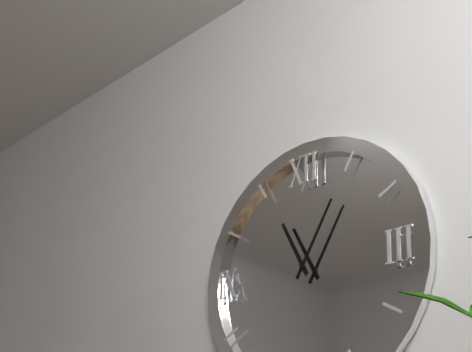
11 h 05 min
